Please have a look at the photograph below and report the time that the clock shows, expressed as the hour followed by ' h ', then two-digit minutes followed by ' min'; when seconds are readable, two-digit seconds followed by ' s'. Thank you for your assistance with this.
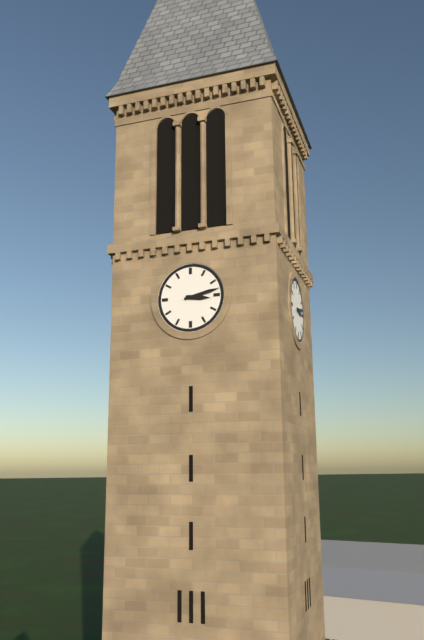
3 h 13 min
